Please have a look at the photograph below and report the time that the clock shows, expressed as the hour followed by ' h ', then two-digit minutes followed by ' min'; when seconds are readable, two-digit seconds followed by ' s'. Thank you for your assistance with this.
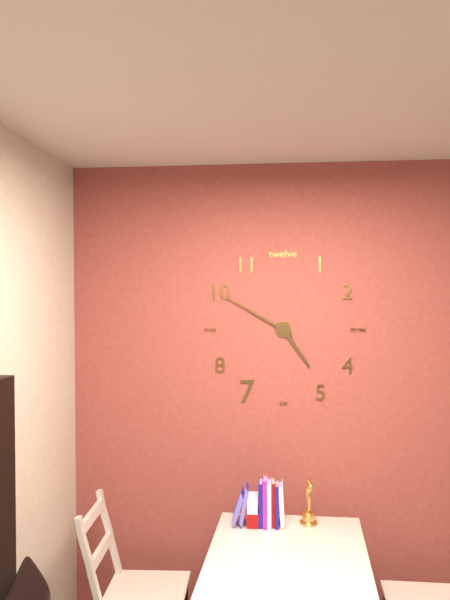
4 h 50 min
